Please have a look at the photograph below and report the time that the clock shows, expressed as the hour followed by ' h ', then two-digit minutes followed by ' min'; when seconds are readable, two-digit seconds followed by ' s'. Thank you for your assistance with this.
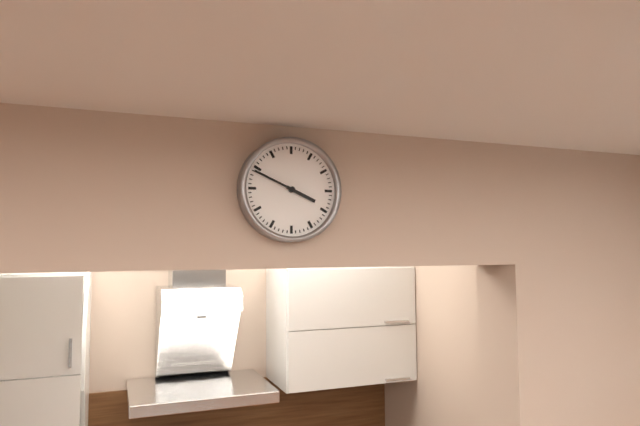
3 h 49 min
